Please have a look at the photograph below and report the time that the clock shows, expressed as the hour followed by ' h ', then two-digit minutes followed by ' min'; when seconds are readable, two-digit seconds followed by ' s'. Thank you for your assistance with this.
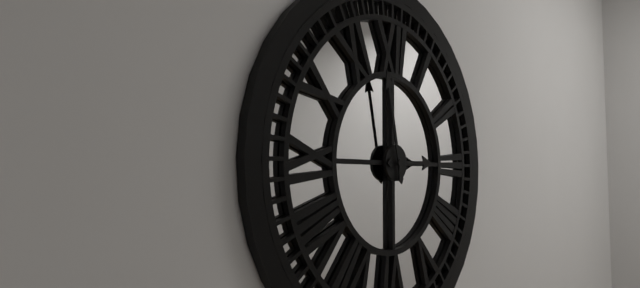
2 h 58 min
